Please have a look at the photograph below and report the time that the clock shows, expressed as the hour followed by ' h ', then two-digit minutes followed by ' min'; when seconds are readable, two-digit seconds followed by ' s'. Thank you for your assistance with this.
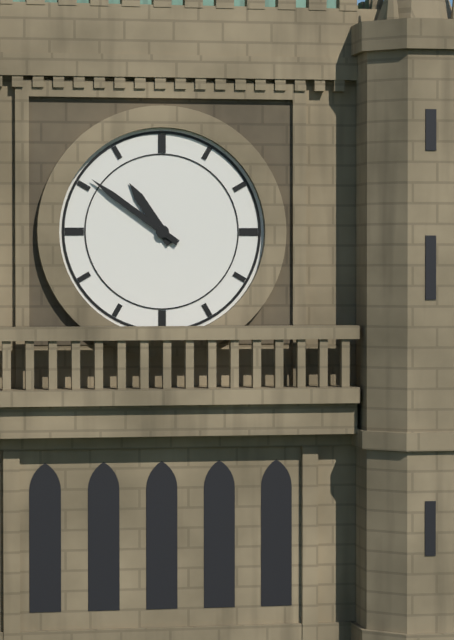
10 h 51 min
